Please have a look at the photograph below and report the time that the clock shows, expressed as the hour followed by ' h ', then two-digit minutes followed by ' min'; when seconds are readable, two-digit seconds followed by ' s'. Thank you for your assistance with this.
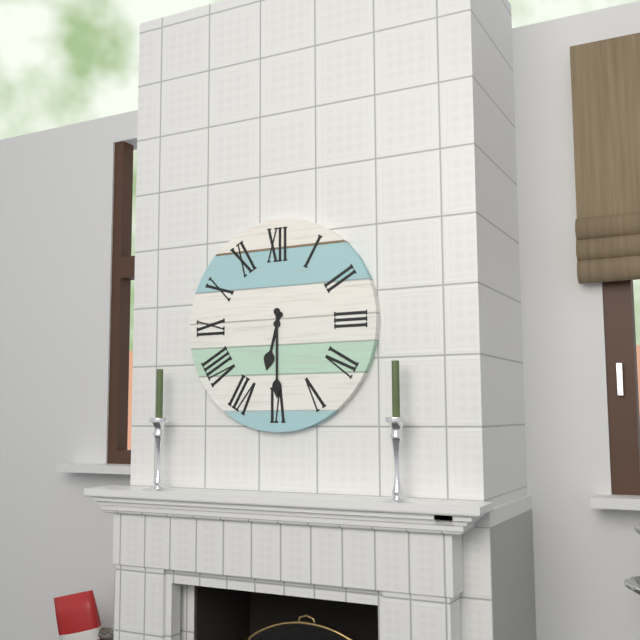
6 h 30 min
